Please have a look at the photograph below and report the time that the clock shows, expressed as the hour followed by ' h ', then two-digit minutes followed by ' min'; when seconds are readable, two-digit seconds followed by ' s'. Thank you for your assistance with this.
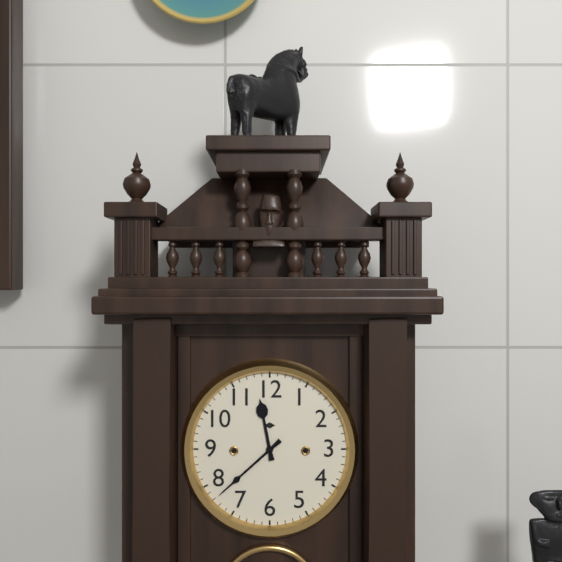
11 h 38 min
